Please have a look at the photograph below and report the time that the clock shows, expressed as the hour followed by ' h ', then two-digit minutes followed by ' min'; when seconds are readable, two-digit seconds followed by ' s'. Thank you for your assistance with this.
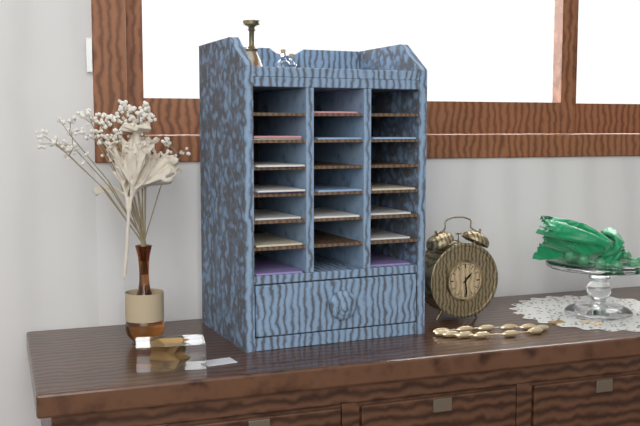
1 h 29 min
